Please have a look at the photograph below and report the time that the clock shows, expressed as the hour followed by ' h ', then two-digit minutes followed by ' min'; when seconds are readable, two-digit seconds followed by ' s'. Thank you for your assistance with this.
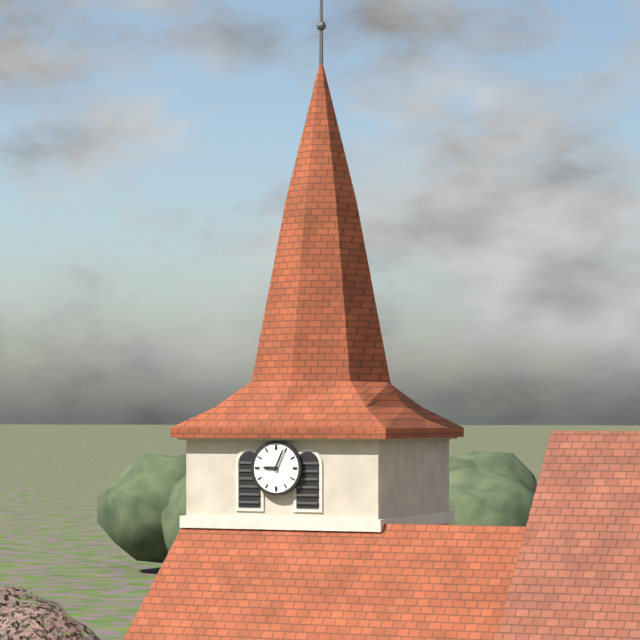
9 h 04 min
